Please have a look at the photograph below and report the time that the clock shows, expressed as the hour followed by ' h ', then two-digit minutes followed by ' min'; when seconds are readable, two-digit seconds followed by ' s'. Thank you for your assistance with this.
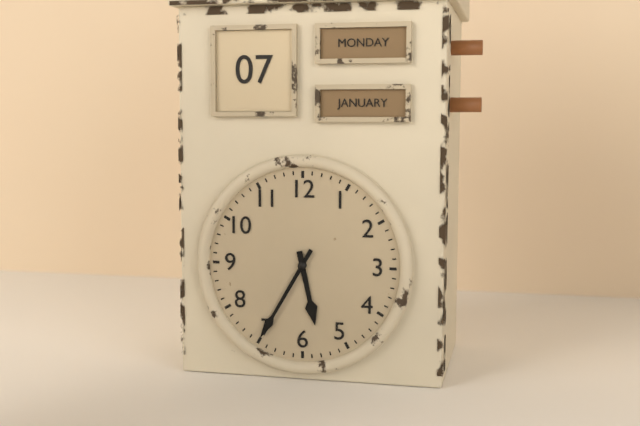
5 h 35 min
